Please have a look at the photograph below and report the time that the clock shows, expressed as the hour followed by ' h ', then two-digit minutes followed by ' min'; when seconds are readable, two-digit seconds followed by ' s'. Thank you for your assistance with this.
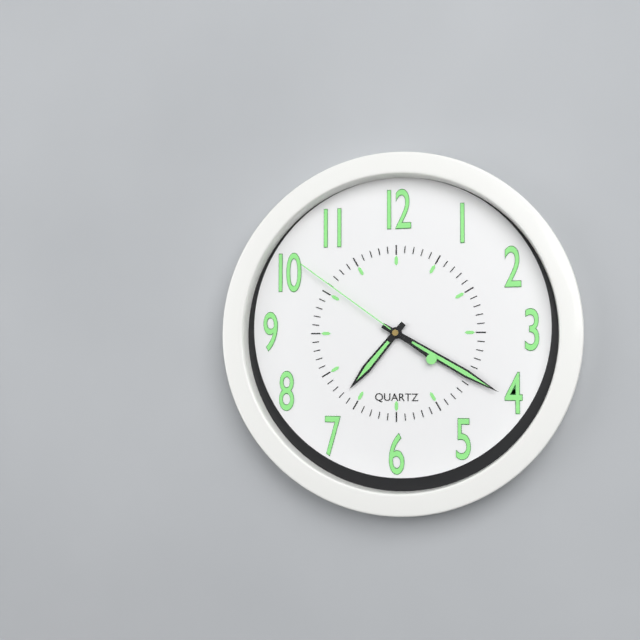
7 h 20 min 51 s
